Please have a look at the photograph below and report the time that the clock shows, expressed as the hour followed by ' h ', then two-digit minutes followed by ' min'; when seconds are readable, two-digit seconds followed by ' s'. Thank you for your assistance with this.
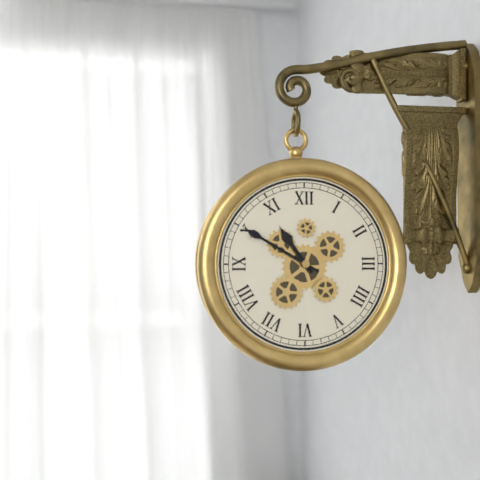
10 h 50 min
